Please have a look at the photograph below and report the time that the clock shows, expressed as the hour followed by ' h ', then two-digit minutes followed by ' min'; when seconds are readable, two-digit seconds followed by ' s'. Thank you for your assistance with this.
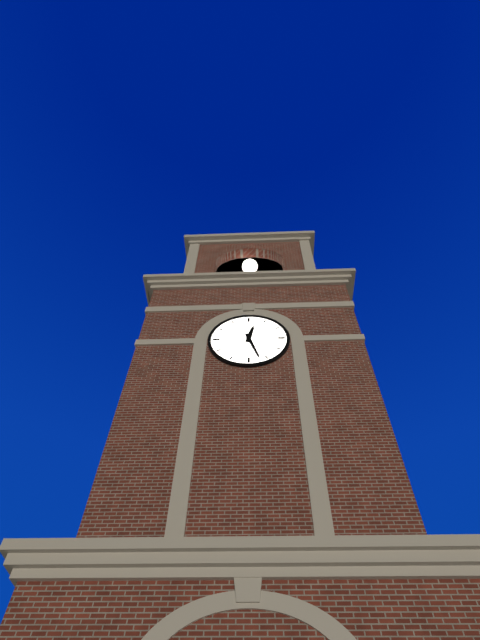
12 h 27 min
